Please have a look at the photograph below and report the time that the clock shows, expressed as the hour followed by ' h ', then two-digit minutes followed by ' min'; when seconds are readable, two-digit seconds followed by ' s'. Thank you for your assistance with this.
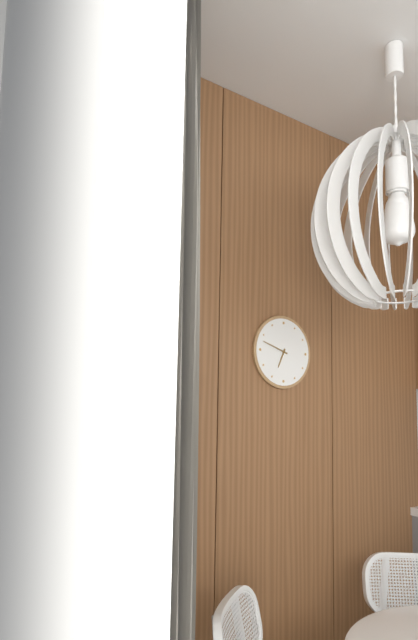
6 h 48 min
